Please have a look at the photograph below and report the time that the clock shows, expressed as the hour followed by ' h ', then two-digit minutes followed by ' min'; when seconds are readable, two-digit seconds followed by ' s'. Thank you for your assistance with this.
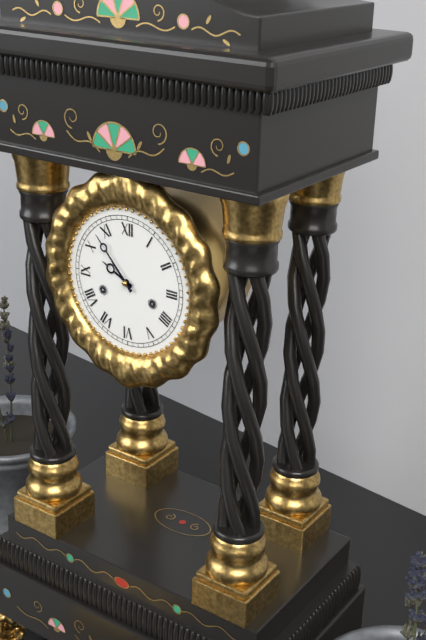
9 h 53 min
